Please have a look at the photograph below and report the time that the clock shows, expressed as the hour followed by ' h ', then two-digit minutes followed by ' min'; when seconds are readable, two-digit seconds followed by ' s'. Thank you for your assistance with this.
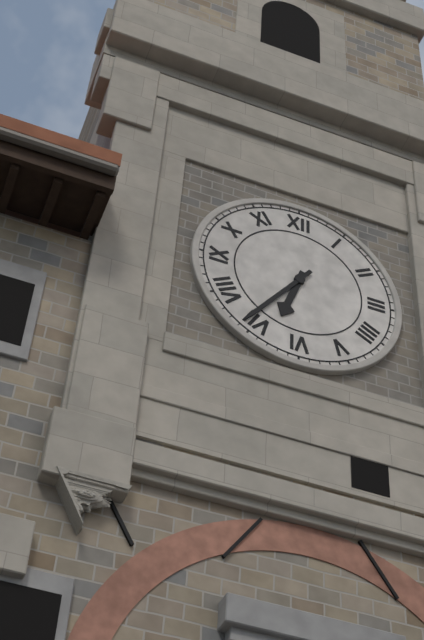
6 h 36 min
